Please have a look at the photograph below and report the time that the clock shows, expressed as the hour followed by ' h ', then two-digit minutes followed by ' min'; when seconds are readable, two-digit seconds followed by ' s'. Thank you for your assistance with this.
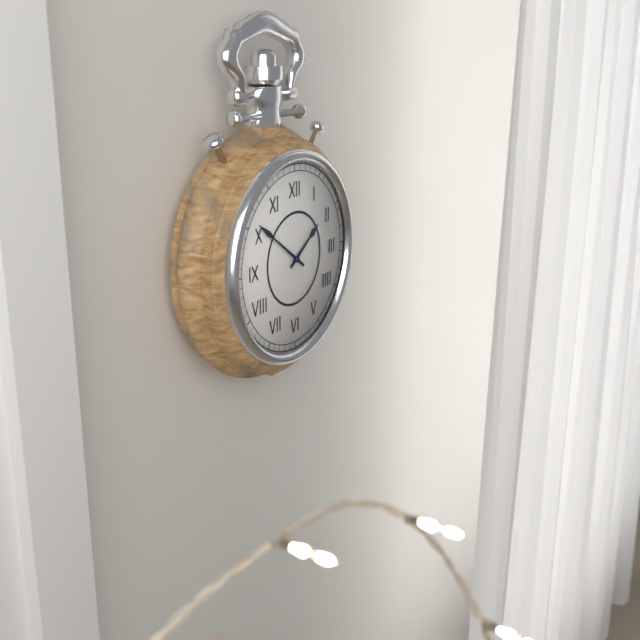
1 h 51 min
